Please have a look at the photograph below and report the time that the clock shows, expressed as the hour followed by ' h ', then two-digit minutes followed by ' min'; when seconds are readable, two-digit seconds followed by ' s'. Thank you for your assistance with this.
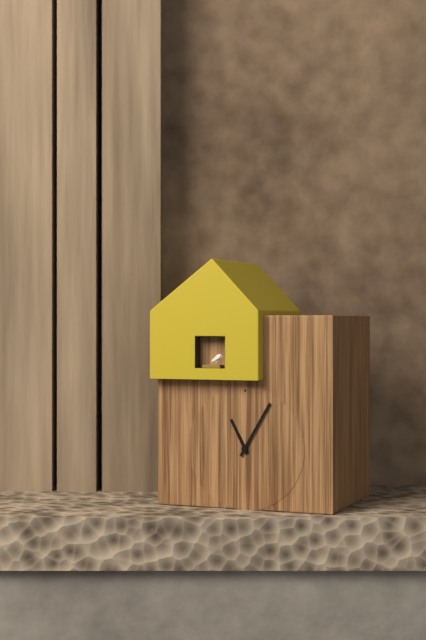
11 h 05 min
